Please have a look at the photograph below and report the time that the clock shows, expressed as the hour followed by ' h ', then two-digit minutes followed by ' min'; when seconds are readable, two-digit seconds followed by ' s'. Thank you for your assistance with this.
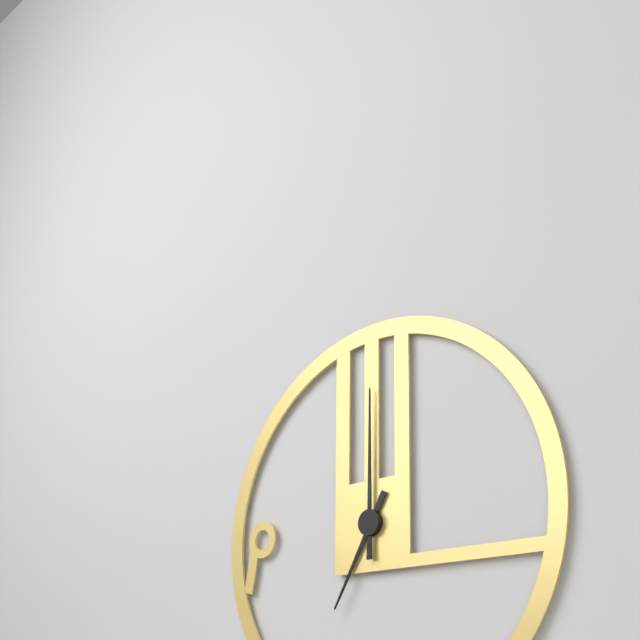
7 h 00 min
